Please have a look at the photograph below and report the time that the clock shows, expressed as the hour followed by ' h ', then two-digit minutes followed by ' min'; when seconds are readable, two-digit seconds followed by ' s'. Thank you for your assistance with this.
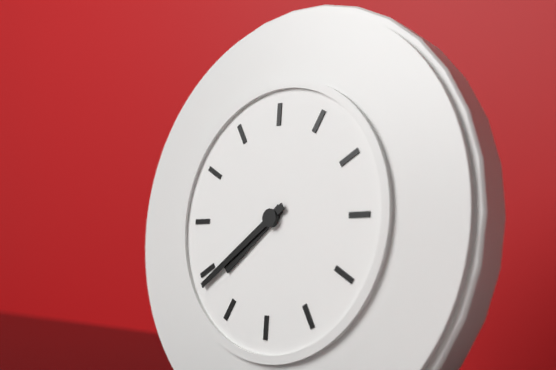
7 h 39 min
